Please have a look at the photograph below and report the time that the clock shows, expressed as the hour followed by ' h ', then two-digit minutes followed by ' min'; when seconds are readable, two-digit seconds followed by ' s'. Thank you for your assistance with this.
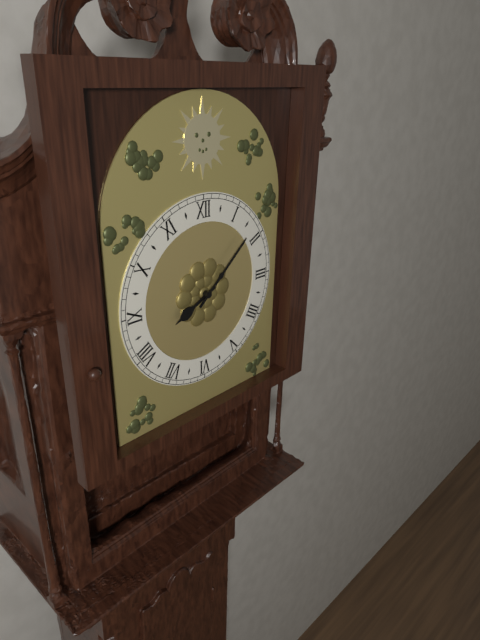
8 h 08 min
